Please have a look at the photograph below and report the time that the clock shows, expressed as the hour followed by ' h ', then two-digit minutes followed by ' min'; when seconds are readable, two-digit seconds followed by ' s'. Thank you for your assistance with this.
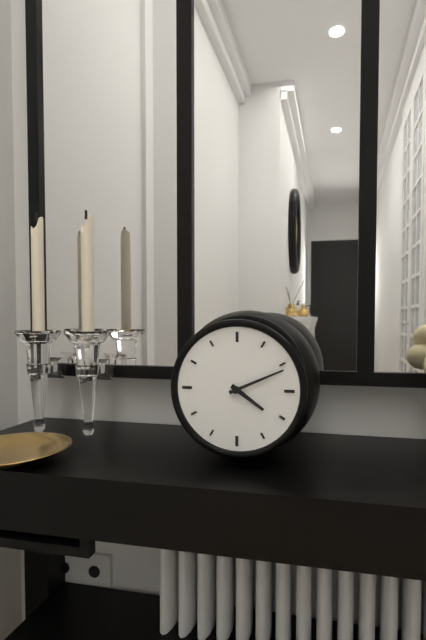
4 h 11 min
